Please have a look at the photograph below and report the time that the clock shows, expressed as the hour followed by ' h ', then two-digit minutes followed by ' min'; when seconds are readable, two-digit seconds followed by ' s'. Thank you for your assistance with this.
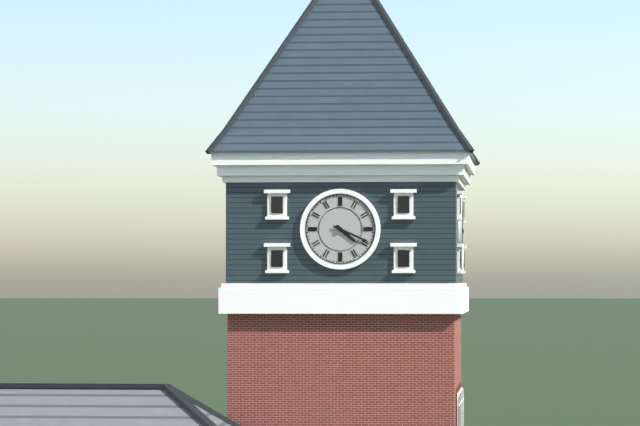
4 h 19 min
